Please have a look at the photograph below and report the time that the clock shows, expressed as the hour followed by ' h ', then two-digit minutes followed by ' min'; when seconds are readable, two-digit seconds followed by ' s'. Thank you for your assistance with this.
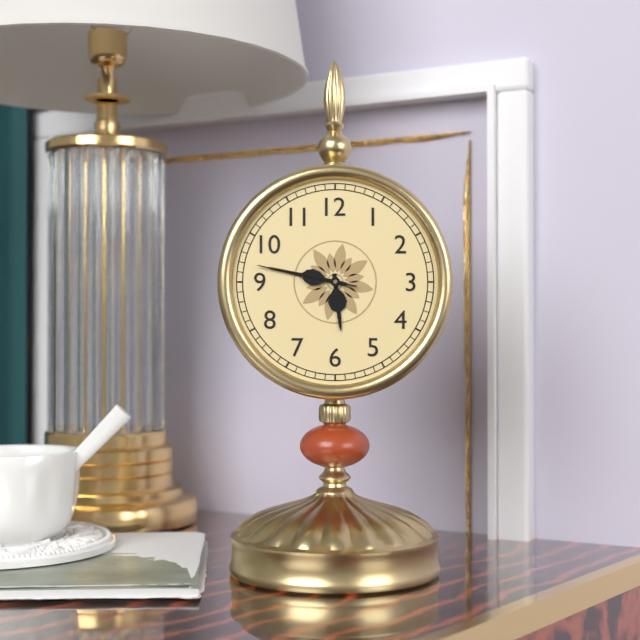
5 h 47 min 47 s
